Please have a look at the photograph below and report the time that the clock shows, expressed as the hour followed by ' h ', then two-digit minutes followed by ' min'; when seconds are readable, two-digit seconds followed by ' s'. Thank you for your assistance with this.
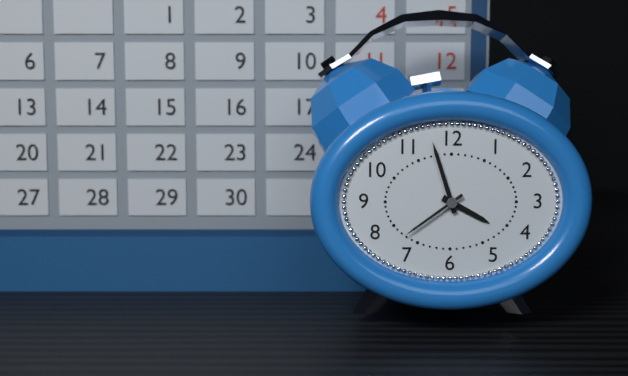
3 h 57 min 39 s
